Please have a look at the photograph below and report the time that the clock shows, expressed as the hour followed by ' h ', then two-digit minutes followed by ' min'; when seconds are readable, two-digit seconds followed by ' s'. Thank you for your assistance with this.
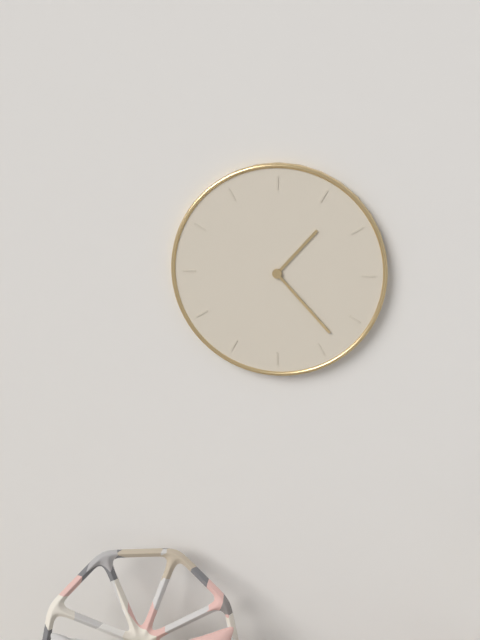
1 h 23 min
